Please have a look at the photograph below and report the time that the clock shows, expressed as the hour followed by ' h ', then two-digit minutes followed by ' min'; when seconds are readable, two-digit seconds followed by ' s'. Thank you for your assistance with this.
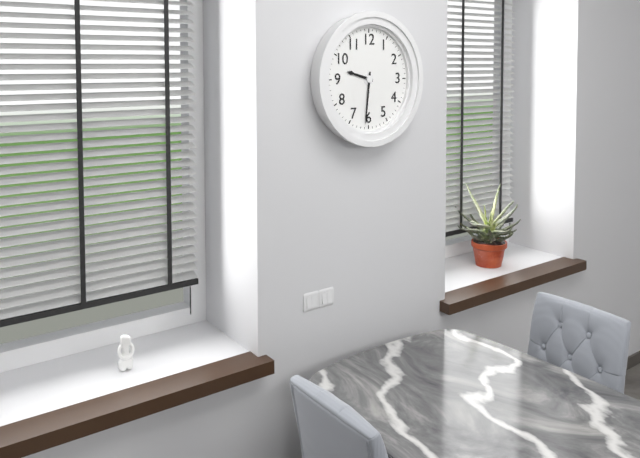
9 h 31 min
